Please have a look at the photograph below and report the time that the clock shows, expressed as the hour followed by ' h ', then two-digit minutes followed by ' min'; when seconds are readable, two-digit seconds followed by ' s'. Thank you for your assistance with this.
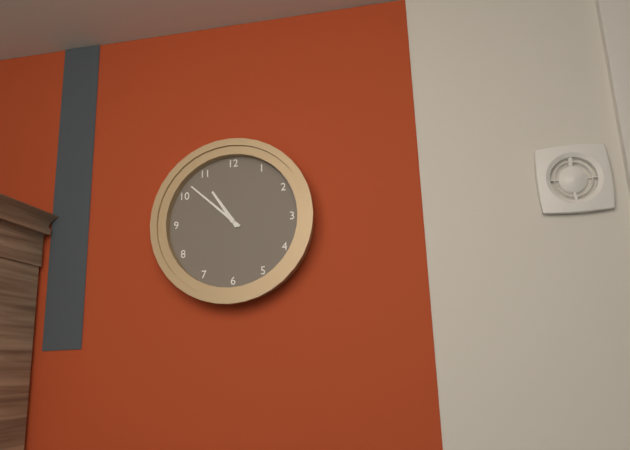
10 h 52 min
